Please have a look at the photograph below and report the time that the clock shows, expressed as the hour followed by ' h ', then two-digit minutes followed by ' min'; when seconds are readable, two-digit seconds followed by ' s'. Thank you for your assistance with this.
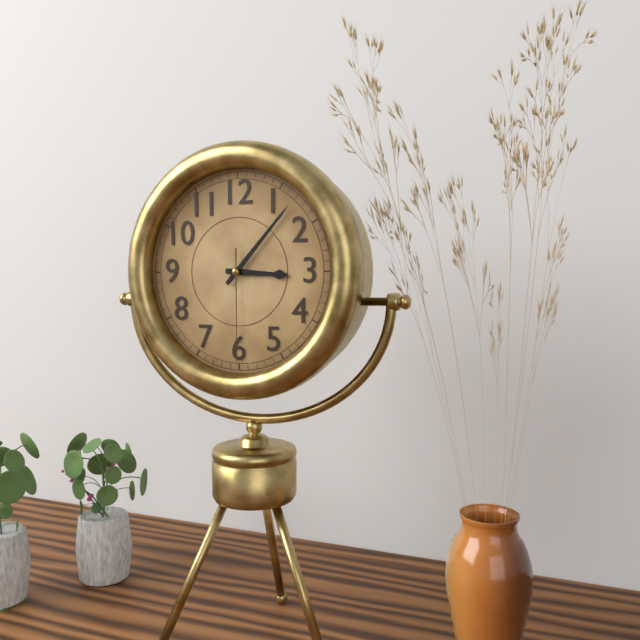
3 h 07 min 30 s
